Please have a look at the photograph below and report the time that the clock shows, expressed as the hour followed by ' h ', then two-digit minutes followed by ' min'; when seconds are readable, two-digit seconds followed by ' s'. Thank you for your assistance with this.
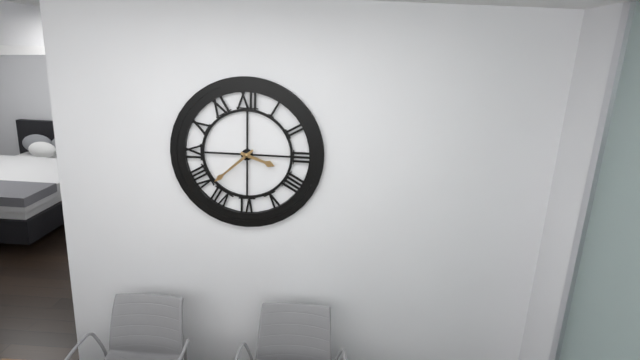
3 h 38 min
